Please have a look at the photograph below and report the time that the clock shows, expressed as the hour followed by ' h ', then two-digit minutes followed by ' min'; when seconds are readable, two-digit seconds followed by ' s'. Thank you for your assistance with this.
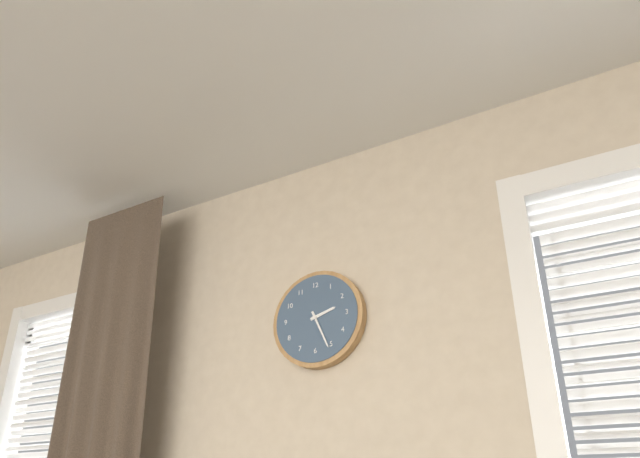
2 h 26 min
